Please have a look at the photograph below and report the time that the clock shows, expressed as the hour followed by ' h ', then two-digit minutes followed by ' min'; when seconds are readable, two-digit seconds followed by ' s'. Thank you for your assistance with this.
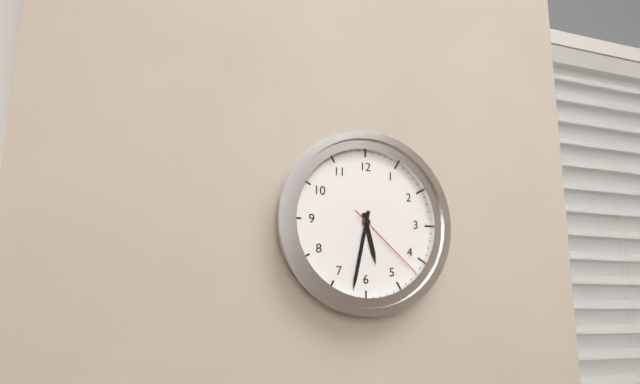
5 h 32 min 22 s
